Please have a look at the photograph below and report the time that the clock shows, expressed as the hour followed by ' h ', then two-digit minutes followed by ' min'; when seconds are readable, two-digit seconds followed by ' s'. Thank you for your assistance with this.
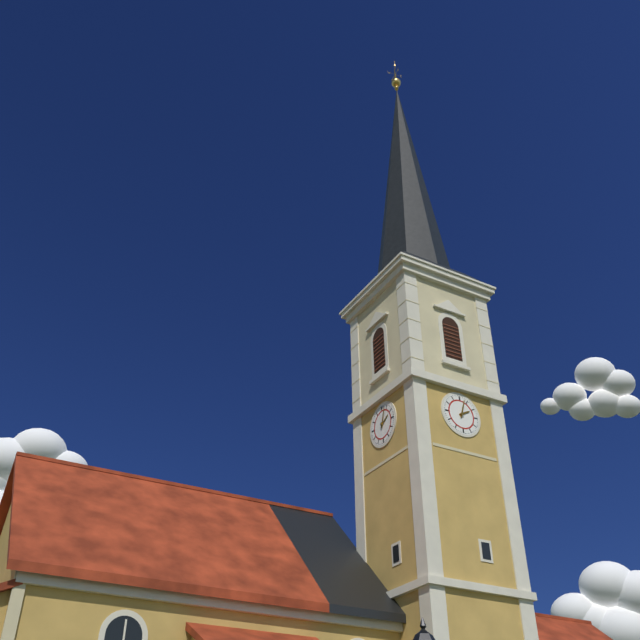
2 h 03 min
